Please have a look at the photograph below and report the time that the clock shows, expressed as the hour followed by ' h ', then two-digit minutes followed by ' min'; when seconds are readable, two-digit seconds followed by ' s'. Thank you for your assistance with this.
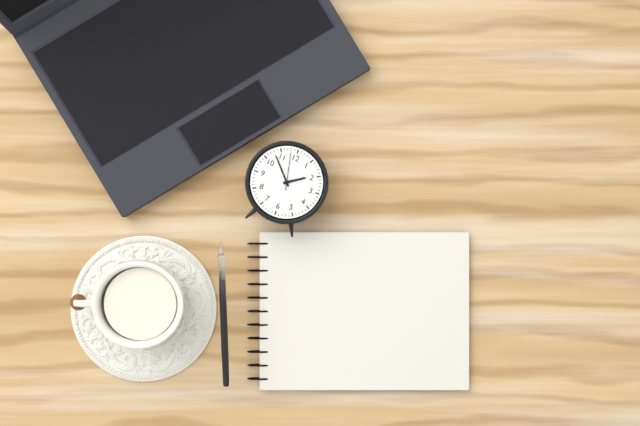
1 h 53 min
